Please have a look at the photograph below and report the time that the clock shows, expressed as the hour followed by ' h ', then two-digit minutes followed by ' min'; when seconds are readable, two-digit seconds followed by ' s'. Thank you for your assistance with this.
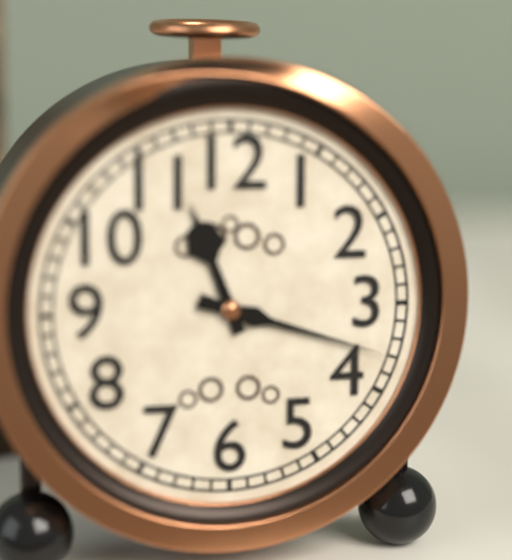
11 h 18 min
